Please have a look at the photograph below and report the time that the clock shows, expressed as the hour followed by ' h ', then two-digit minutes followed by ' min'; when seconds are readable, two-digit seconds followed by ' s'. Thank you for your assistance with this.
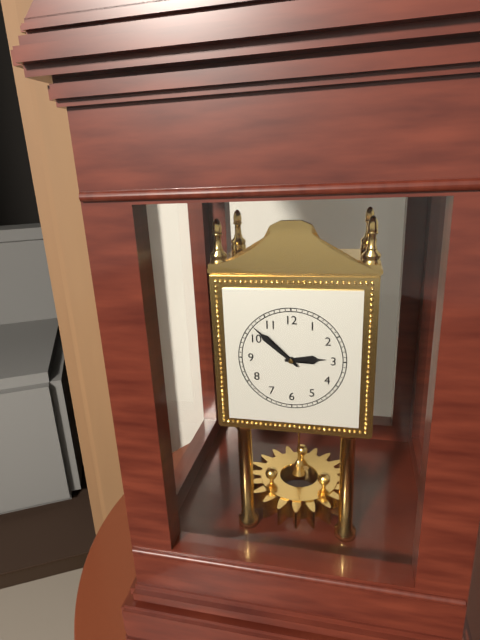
2 h 52 min
